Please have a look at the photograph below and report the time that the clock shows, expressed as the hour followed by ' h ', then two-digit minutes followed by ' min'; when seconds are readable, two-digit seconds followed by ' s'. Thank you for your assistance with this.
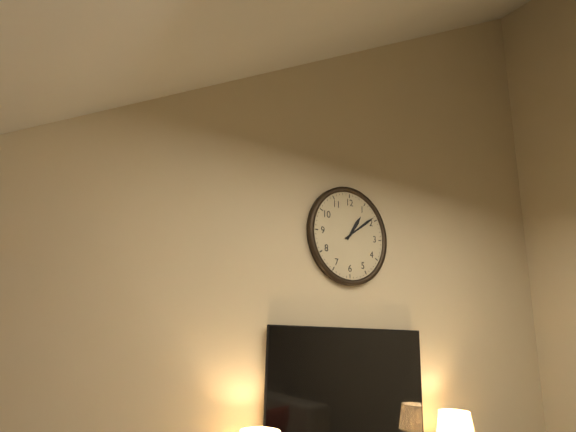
1 h 09 min
